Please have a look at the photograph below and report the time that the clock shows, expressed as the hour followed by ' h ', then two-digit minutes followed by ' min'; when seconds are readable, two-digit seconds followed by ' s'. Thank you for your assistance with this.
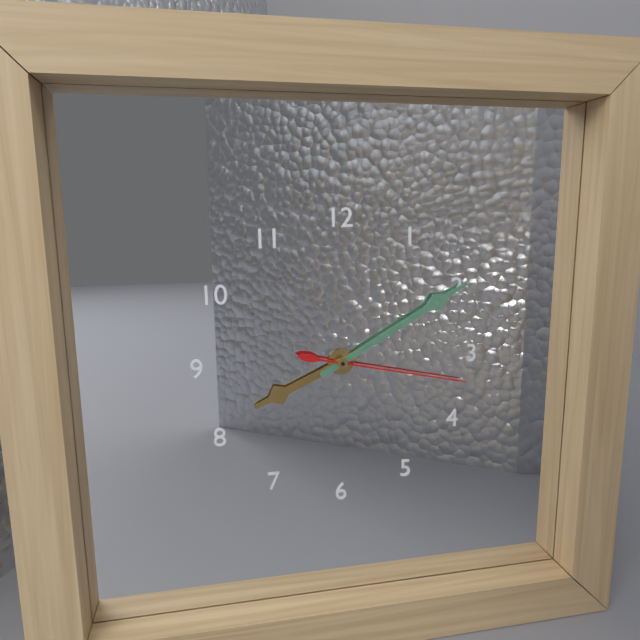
8 h 10 min 17 s
